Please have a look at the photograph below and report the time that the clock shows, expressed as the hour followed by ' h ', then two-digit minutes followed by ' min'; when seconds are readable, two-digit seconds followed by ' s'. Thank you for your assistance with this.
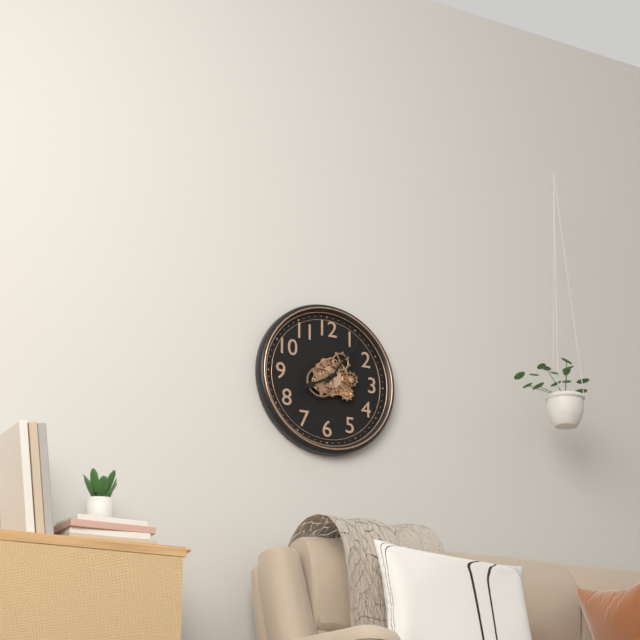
8 h 06 min
